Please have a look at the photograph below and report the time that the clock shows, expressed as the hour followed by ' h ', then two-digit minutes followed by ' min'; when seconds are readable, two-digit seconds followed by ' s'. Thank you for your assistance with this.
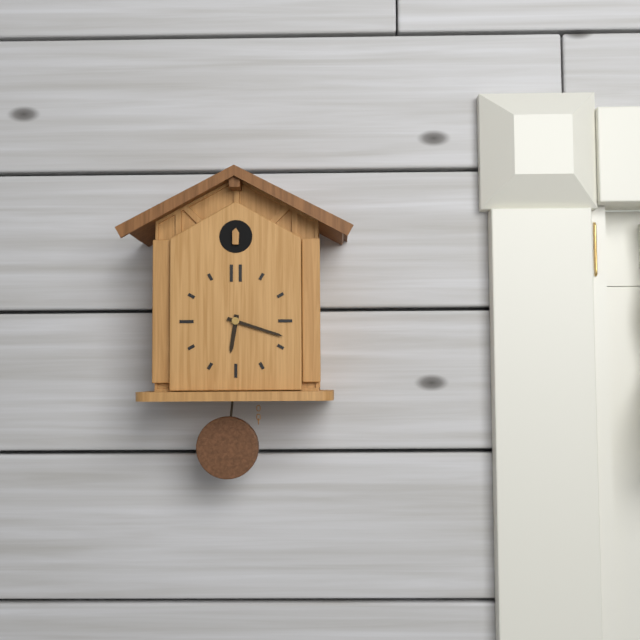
6 h 18 min
